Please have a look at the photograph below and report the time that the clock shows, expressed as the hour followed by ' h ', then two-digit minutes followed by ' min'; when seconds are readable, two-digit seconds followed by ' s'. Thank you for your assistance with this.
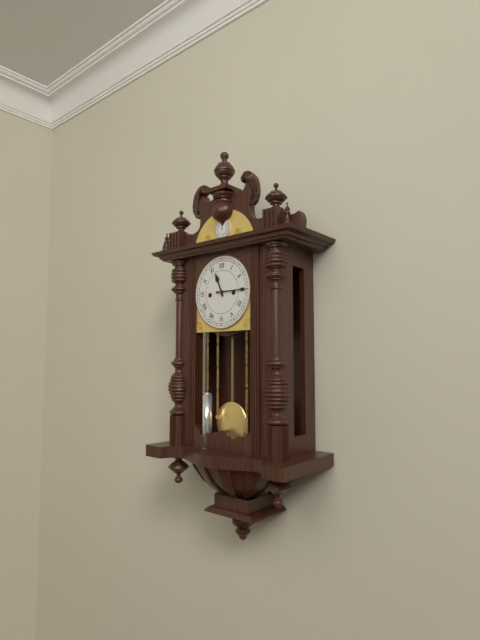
11 h 15 min
